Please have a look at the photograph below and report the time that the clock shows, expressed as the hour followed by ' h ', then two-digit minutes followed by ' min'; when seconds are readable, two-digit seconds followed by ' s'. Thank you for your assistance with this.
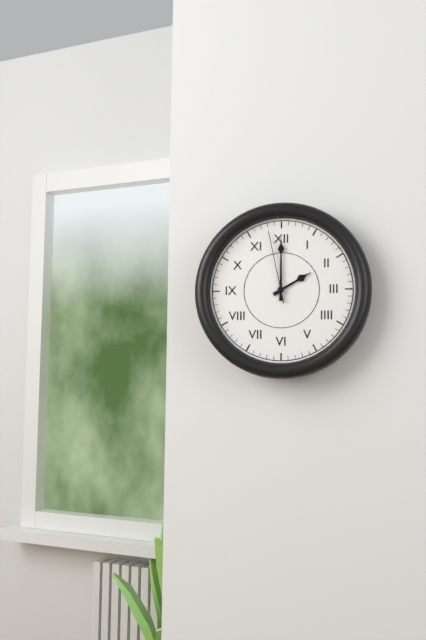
2 h 00 min 58 s
